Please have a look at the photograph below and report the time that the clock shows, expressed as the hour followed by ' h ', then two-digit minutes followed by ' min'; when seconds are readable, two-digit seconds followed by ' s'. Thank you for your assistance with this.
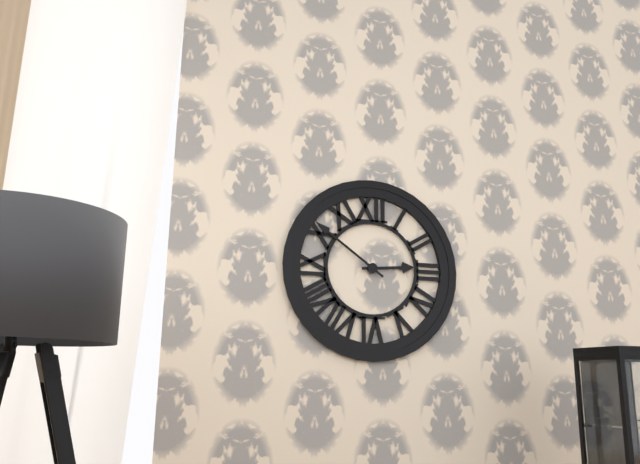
2 h 51 min
